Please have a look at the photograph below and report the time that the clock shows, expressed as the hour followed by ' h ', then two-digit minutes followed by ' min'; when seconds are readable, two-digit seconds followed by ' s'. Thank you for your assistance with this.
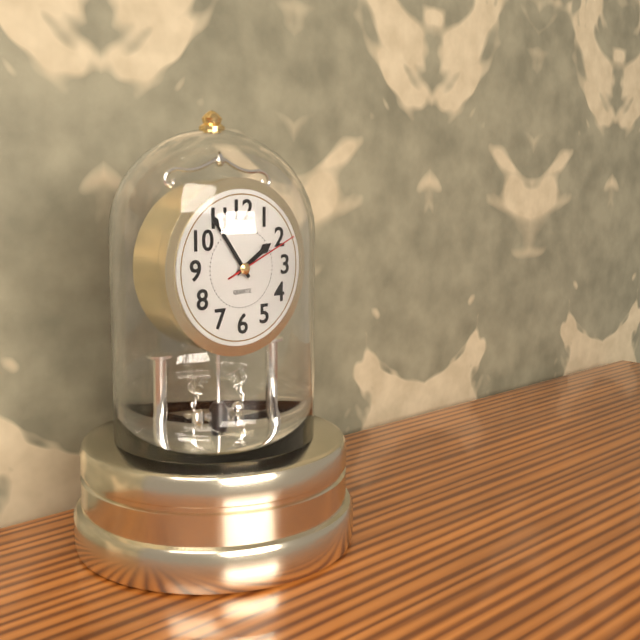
1 h 54 min 11 s
